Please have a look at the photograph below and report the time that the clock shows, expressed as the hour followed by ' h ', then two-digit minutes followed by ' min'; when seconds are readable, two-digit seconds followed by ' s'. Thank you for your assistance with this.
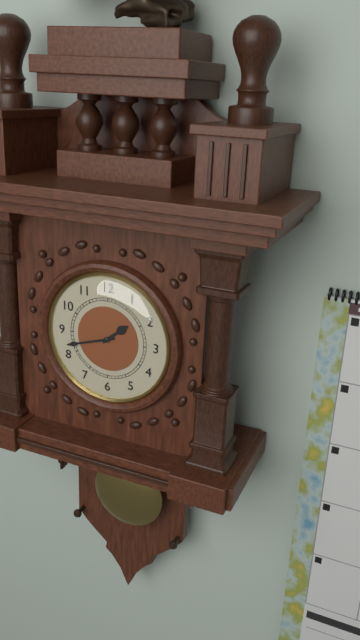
1 h 42 min
